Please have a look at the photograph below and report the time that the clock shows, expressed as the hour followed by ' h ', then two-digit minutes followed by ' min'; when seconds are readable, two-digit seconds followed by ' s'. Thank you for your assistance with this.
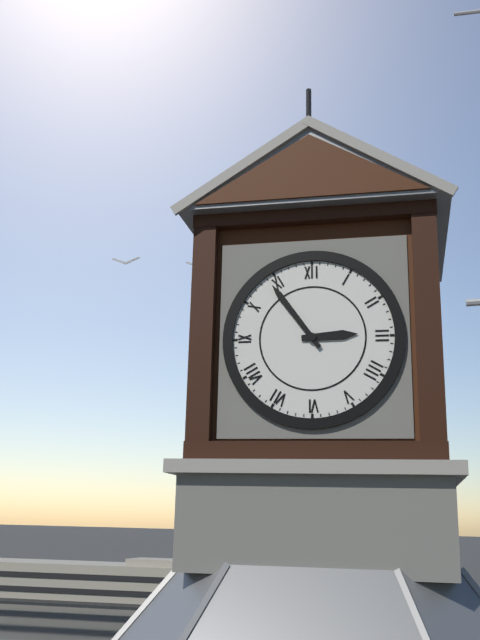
2 h 54 min
